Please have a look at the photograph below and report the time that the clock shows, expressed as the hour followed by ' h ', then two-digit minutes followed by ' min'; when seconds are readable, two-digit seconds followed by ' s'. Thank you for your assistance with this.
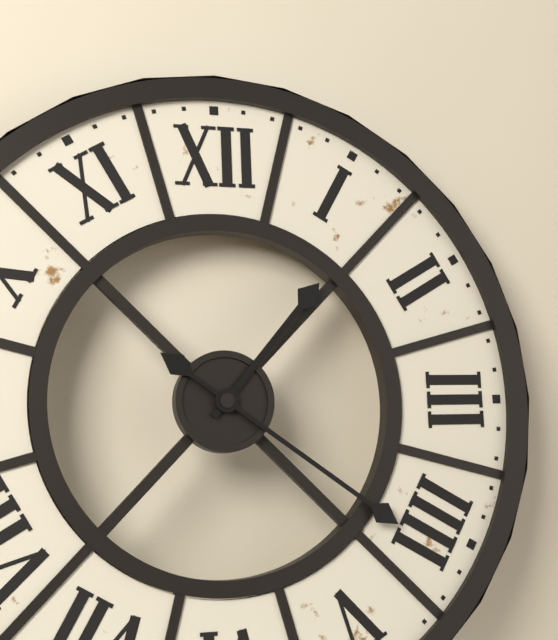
1 h 21 min
